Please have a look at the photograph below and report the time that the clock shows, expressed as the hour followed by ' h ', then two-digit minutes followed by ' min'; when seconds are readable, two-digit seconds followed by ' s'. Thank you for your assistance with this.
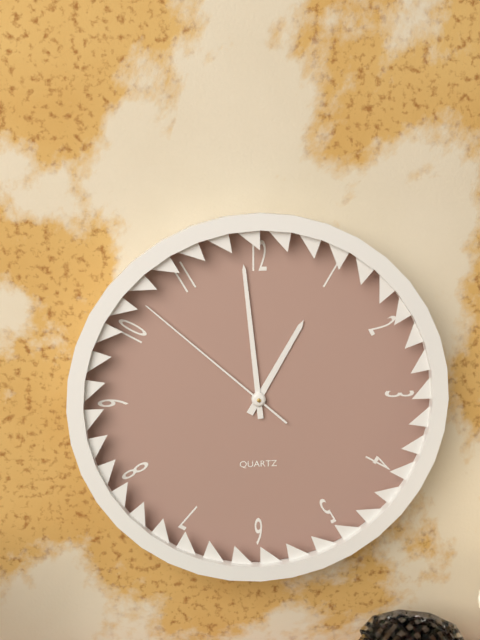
12 h 59 min 52 s
